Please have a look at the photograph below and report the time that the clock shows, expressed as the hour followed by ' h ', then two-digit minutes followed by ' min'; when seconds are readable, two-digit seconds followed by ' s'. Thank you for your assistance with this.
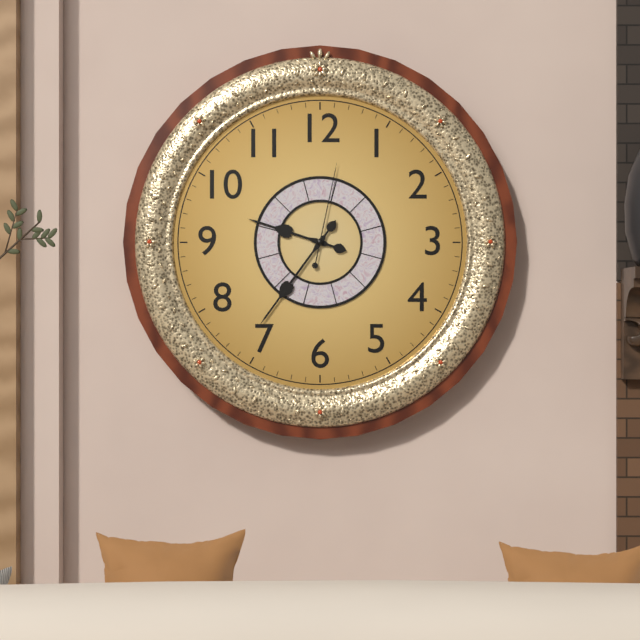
9 h 36 min 02 s
